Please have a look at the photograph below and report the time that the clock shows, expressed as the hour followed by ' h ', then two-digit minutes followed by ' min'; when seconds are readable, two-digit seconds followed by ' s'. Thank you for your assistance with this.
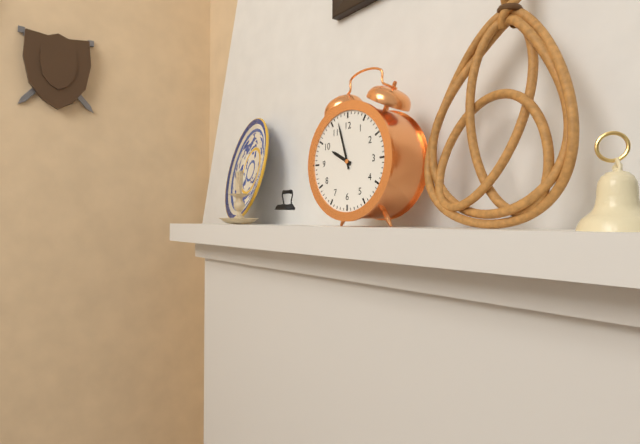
9 h 57 min
